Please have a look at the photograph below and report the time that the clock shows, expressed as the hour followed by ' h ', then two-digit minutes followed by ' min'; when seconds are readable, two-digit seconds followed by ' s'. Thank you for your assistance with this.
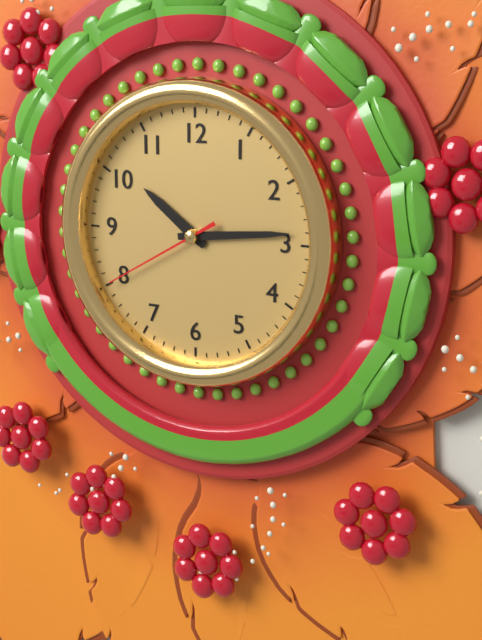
10 h 14 min 40 s
